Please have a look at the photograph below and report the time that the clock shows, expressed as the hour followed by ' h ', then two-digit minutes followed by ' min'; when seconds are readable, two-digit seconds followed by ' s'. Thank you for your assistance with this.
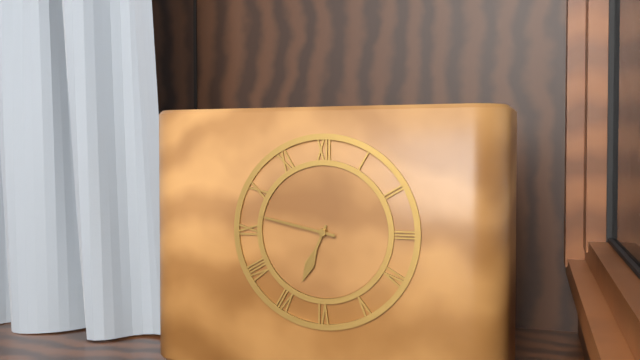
6 h 47 min
